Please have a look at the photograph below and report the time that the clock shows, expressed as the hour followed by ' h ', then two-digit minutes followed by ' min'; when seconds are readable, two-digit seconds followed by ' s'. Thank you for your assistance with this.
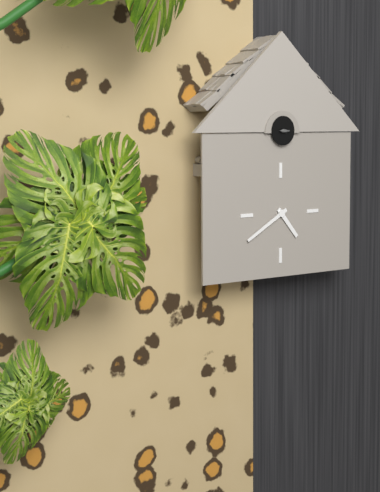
4 h 40 min
